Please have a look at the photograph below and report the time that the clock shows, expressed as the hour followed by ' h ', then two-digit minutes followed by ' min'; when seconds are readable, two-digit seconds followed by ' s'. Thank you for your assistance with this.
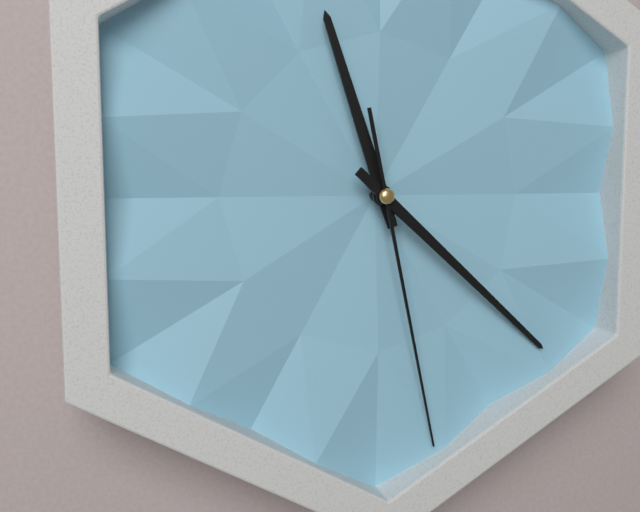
11 h 22 min 28 s
